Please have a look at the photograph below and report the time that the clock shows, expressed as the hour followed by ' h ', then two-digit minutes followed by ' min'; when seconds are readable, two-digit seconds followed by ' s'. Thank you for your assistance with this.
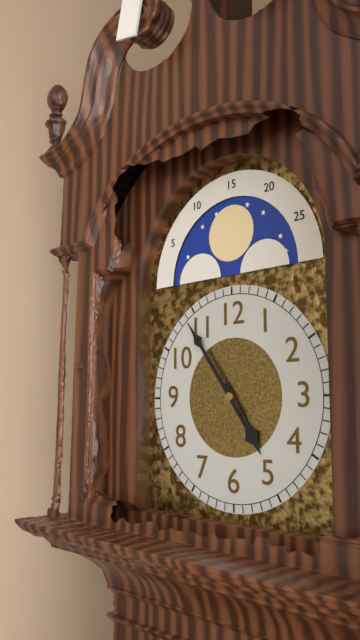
4 h 54 min
